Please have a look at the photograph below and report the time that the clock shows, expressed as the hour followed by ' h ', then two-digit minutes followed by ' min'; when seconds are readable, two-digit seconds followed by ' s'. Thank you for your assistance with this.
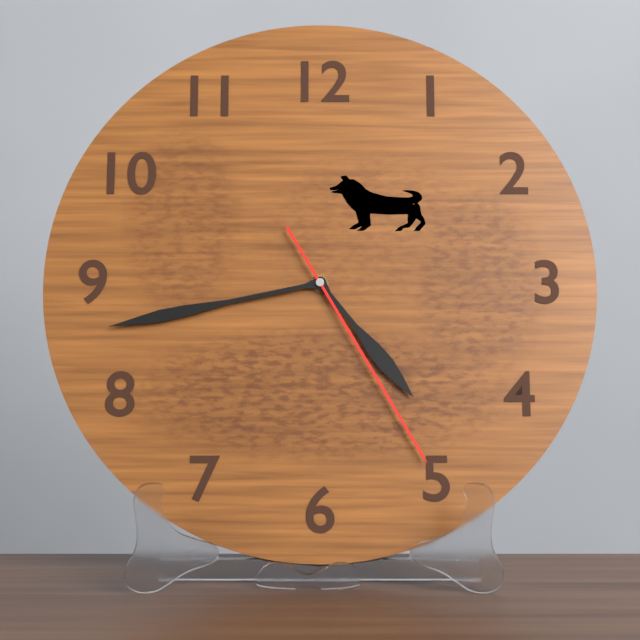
4 h 43 min 25 s
